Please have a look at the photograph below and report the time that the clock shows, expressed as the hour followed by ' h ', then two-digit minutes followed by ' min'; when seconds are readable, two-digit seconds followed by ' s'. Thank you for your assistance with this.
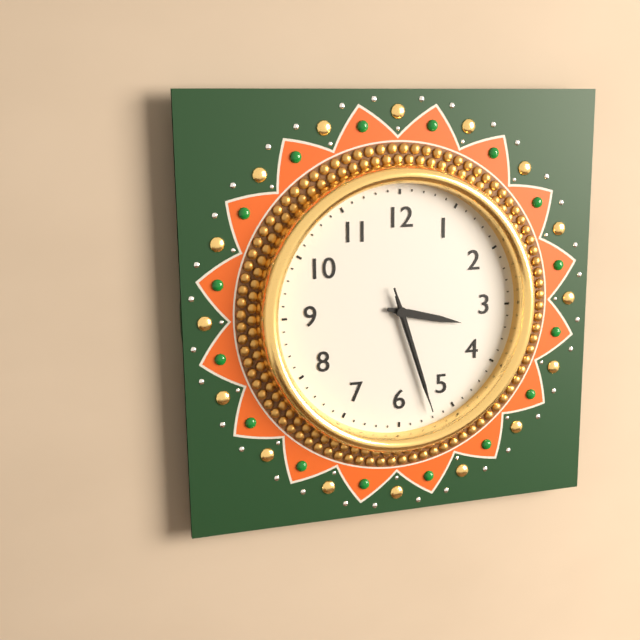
3 h 27 min 27 s
